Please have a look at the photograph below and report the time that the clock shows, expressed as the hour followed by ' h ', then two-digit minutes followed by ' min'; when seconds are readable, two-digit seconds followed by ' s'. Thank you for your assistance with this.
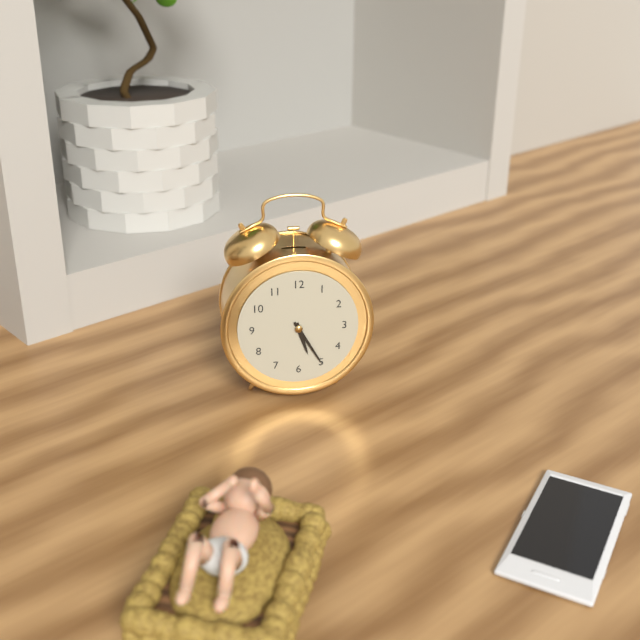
5 h 25 min
